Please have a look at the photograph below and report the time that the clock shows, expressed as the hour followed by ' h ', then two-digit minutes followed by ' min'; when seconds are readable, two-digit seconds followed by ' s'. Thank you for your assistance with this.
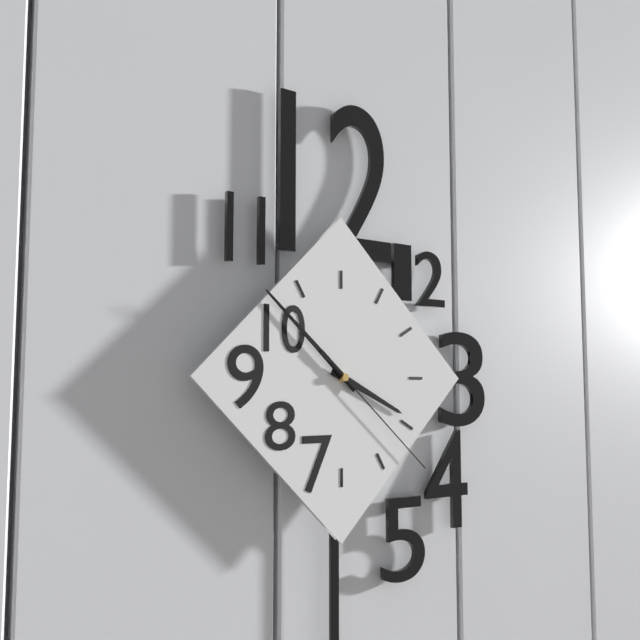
3 h 52 min 22 s
